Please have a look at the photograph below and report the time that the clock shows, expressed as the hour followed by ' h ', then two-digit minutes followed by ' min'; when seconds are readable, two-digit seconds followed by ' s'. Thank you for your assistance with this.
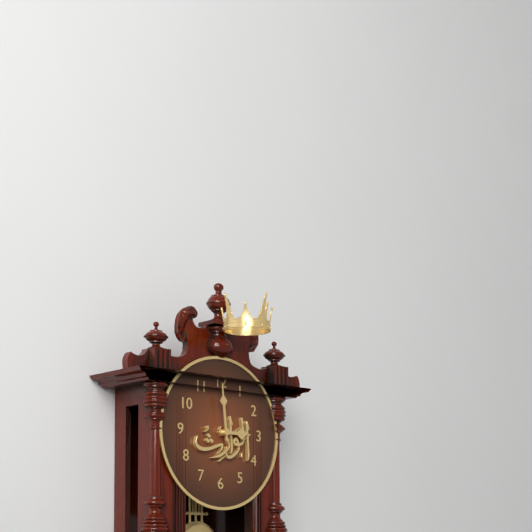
2 h 59 min
